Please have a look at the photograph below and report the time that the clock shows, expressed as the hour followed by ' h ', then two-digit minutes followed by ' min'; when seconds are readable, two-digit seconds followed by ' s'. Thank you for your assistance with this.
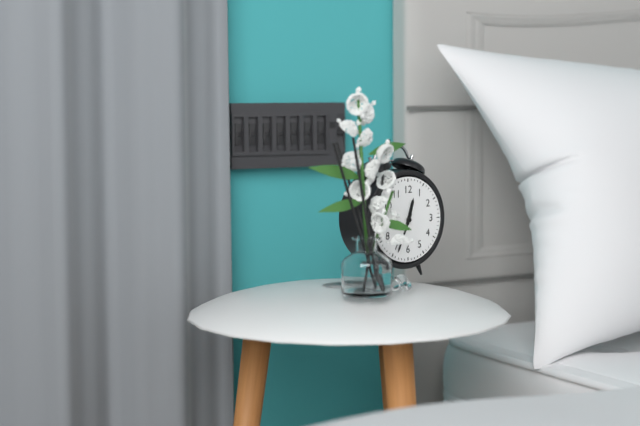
12 h 34 min
